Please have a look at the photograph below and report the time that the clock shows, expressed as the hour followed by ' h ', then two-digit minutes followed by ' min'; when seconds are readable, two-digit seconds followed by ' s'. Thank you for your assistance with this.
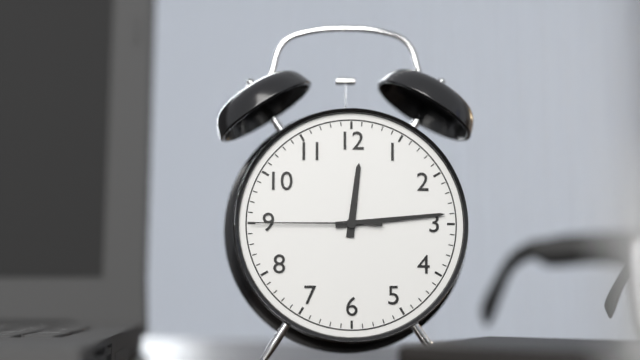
12 h 14 min 45 s
